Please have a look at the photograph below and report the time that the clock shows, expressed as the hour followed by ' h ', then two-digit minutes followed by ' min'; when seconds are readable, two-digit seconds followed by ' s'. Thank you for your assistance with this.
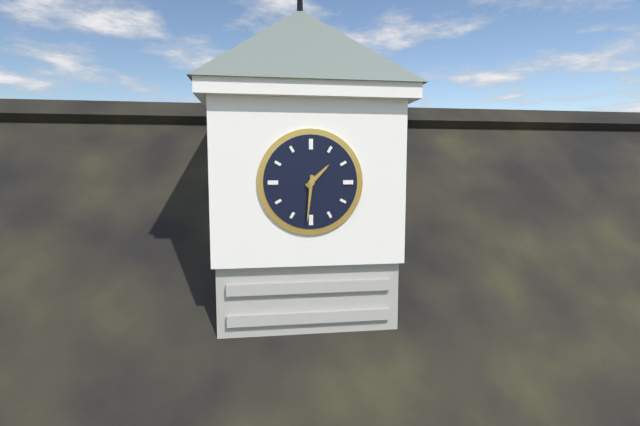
1 h 31 min
